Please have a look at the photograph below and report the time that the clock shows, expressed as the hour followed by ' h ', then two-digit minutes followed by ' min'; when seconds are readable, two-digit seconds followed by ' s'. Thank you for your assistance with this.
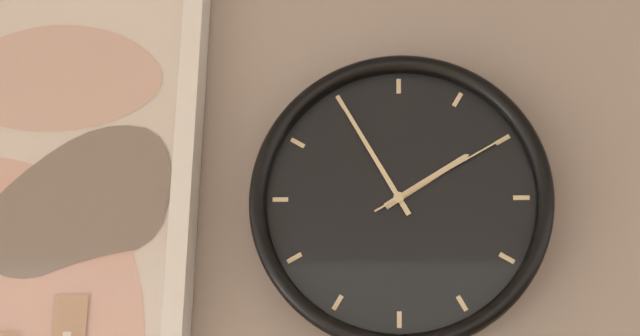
1 h 55 min 10 s
